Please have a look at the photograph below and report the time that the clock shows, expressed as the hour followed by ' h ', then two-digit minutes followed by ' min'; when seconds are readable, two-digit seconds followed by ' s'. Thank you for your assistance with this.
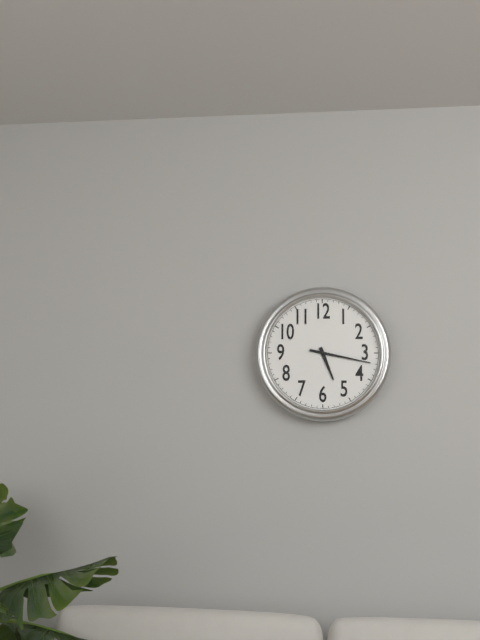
5 h 17 min
